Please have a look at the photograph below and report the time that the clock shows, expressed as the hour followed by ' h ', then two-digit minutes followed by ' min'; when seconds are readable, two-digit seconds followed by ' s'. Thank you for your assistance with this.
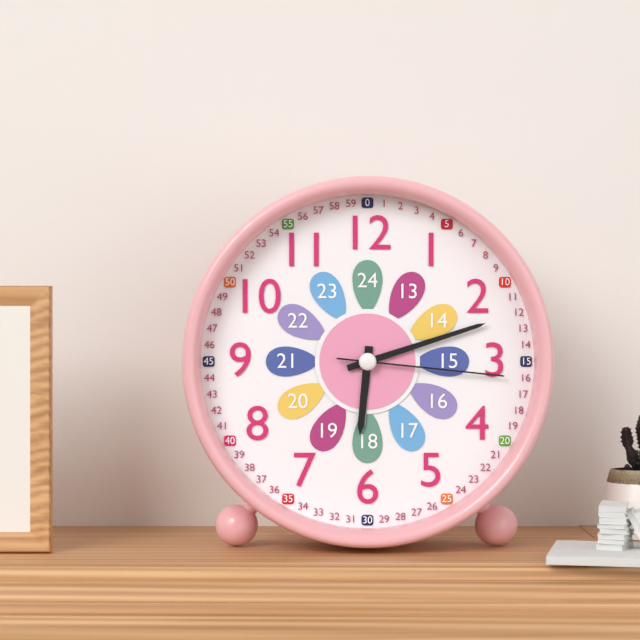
6 h 12 min 16 s
